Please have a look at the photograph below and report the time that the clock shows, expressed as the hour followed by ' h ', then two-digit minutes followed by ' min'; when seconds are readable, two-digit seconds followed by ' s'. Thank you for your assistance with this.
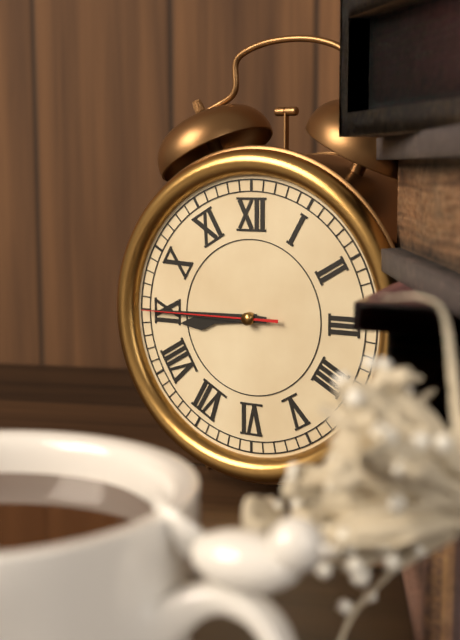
8 h 45 min 45 s
